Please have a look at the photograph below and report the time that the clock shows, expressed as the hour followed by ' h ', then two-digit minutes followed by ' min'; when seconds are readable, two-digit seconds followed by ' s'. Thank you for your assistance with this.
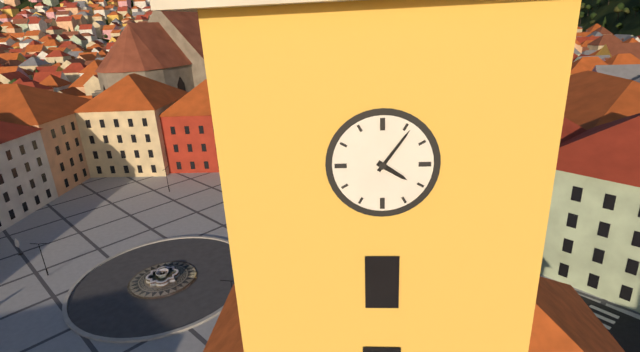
4 h 06 min
